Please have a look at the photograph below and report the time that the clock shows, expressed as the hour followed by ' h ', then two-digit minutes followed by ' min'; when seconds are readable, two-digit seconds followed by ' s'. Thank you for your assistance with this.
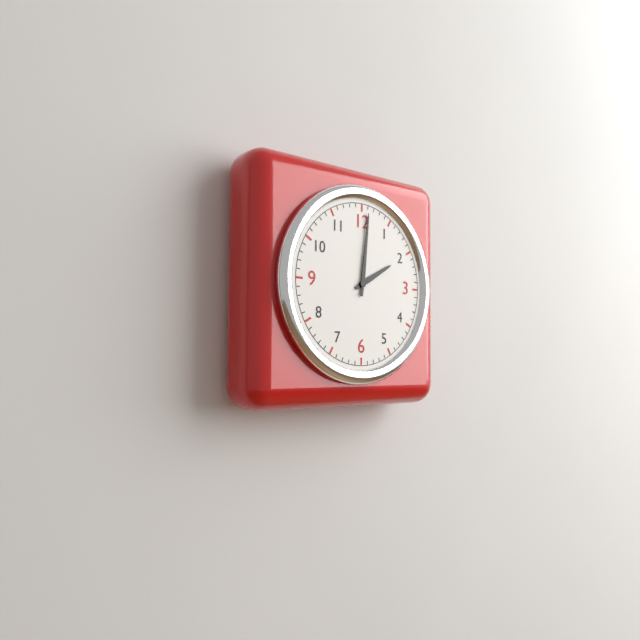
2 h 01 min
